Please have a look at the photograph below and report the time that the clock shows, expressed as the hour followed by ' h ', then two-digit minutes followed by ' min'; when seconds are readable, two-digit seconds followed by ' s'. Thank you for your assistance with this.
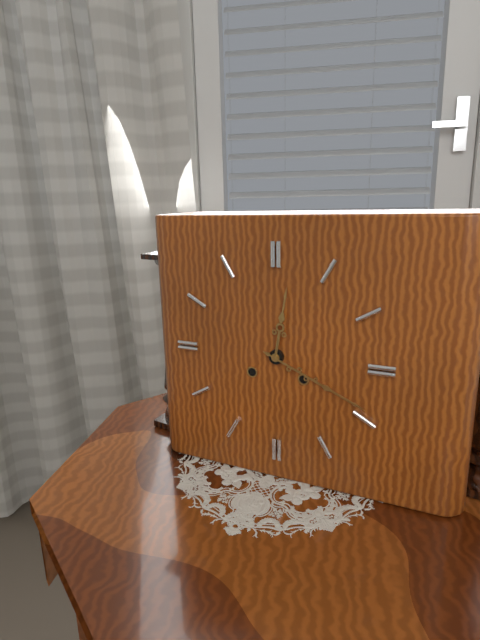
12 h 19 min
